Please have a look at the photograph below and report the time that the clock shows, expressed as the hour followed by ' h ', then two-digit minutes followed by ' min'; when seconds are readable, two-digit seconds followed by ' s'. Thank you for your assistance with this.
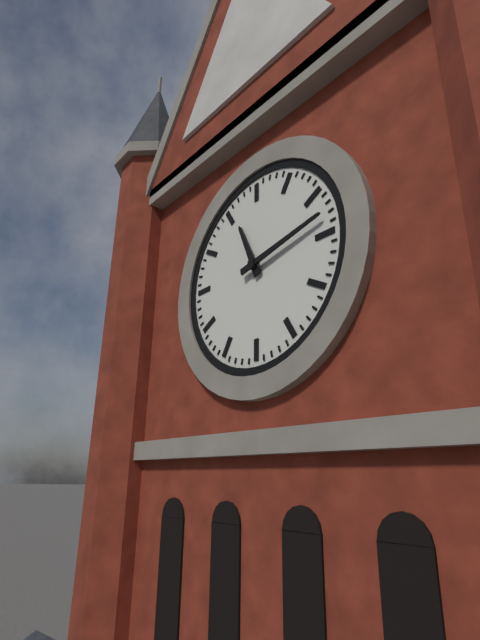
11 h 13 min
